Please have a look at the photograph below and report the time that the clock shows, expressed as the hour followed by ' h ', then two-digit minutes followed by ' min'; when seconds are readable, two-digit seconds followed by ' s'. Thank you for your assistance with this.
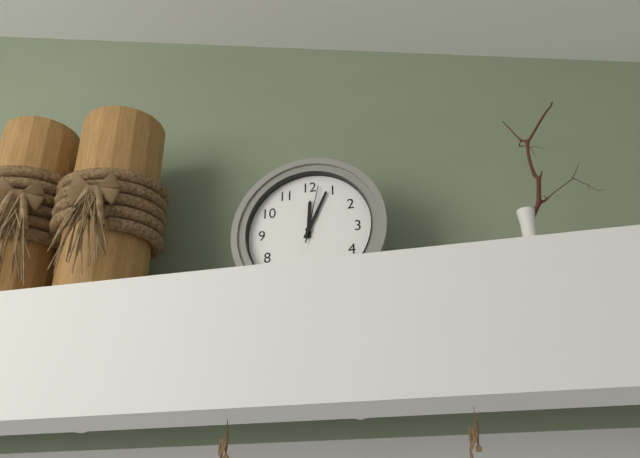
12 h 04 min 02 s
